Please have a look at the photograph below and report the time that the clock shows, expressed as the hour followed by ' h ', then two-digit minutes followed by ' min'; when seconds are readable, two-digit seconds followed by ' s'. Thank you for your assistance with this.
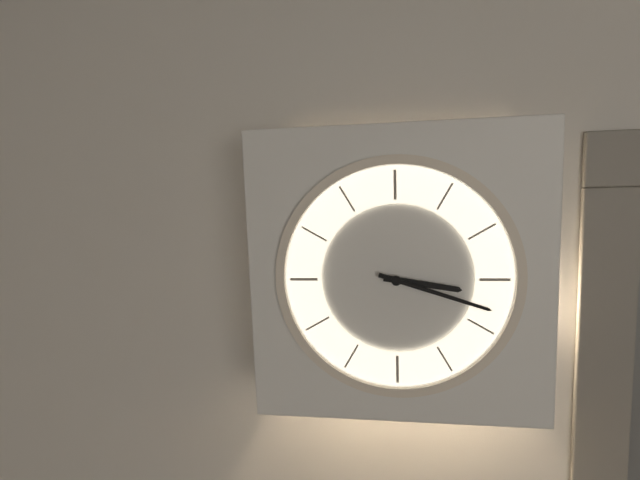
3 h 18 min
